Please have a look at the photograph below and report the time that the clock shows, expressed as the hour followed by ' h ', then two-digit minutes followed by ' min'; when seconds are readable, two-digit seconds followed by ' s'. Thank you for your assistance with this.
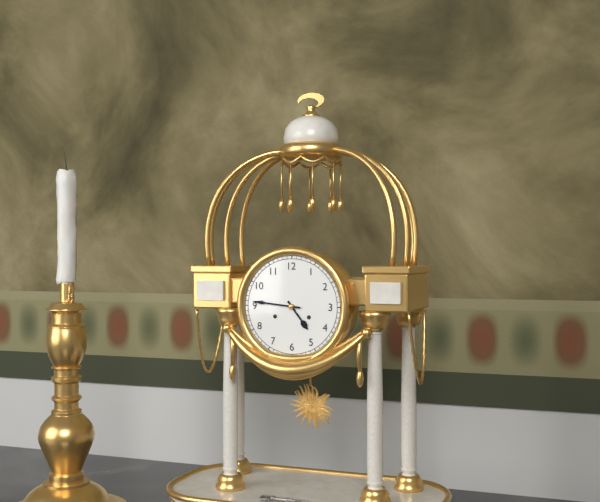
4 h 46 min
